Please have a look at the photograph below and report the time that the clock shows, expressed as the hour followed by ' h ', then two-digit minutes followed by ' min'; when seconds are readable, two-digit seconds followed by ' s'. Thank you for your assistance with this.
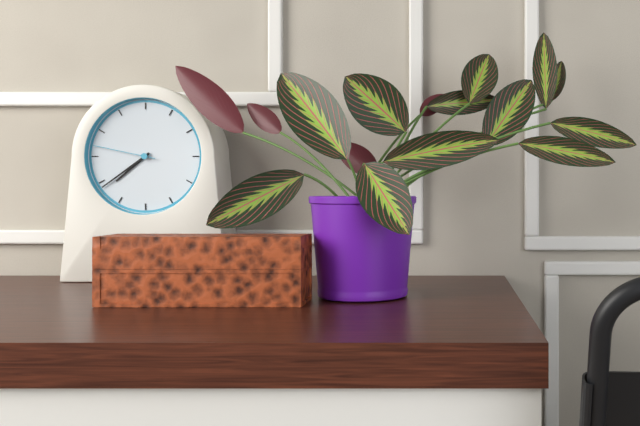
7 h 39 min 47 s
